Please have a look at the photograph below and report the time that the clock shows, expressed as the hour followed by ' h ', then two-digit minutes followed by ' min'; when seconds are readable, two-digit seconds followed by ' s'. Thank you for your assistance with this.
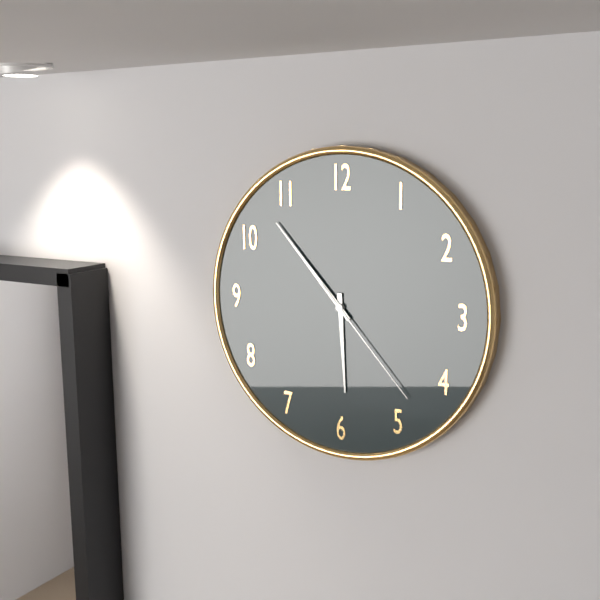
5 h 53 min 23 s
